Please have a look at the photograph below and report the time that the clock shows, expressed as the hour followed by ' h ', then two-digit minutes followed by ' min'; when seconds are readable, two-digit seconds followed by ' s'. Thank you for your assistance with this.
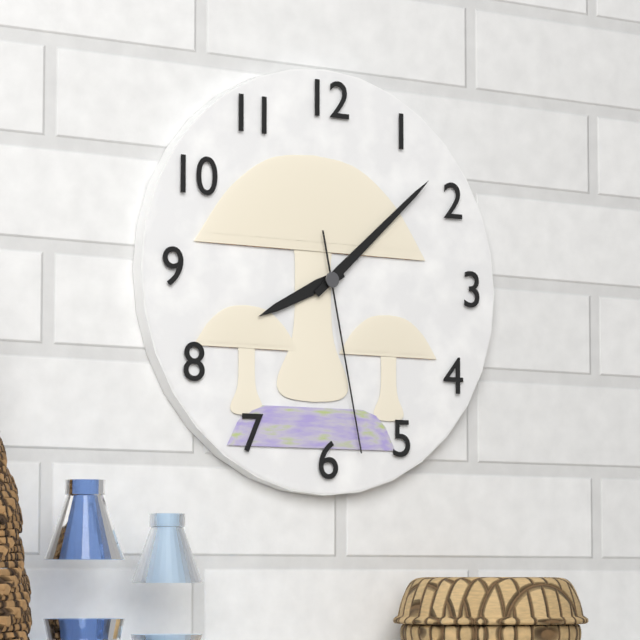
8 h 08 min 28 s
